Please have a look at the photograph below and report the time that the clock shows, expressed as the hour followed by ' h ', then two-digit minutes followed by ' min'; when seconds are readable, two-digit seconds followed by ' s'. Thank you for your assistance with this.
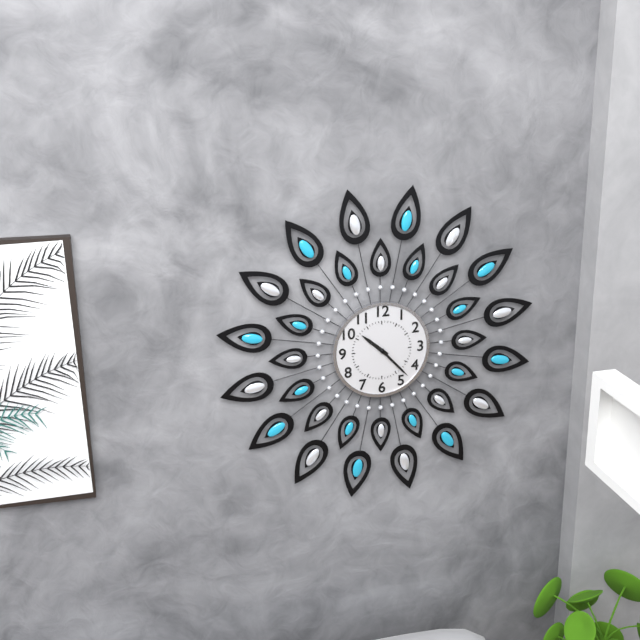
10 h 23 min
